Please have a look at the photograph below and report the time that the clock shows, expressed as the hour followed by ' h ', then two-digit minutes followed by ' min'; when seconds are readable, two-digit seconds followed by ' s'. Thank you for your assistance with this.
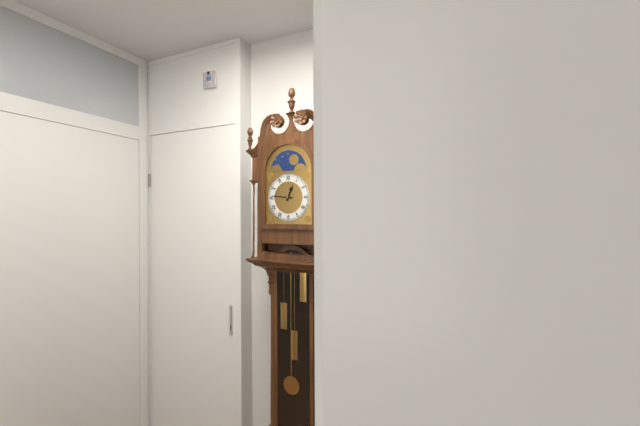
12 h 46 min
